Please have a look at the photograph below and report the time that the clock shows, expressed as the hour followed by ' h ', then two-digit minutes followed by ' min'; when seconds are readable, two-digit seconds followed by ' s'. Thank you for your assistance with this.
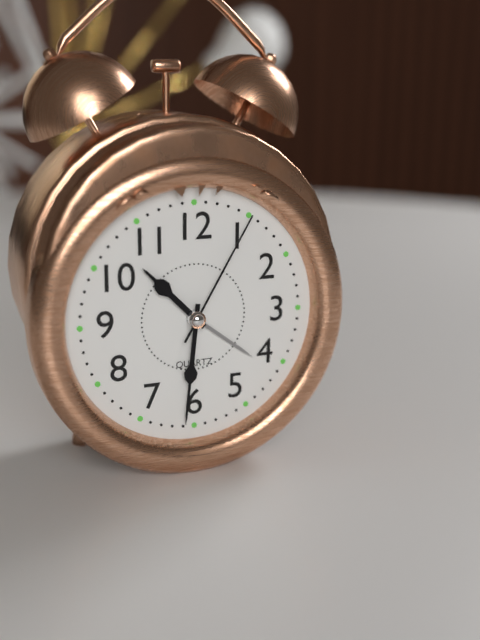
10 h 31 min 05 s
